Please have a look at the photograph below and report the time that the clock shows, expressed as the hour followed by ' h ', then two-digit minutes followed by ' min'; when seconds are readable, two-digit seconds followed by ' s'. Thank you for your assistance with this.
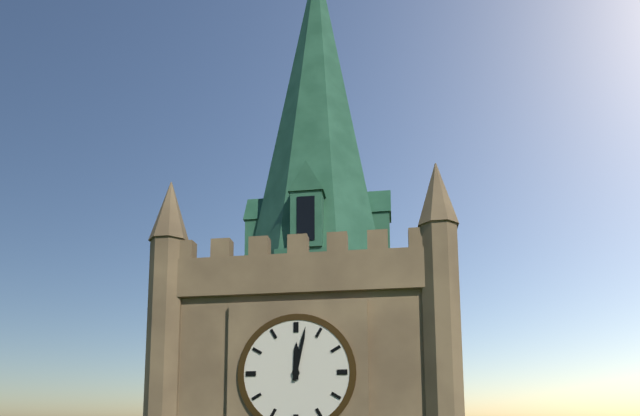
12 h 02 min
